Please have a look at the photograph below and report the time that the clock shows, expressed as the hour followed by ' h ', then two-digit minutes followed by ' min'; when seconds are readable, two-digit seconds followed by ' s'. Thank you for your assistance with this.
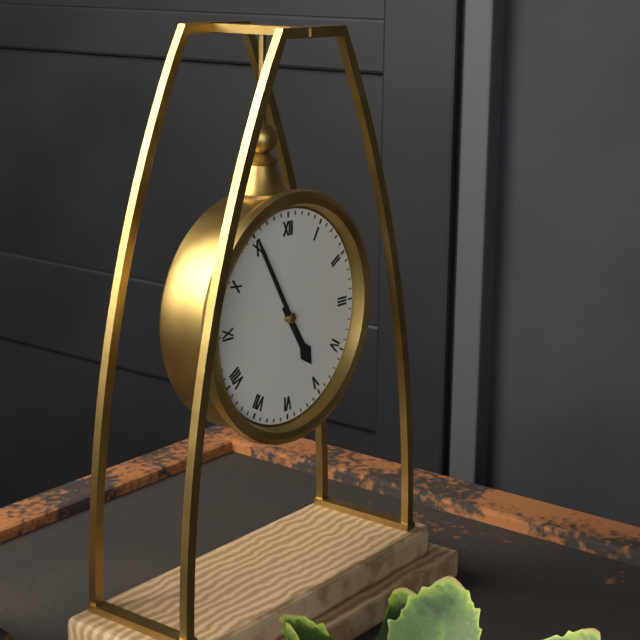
4 h 55 min
